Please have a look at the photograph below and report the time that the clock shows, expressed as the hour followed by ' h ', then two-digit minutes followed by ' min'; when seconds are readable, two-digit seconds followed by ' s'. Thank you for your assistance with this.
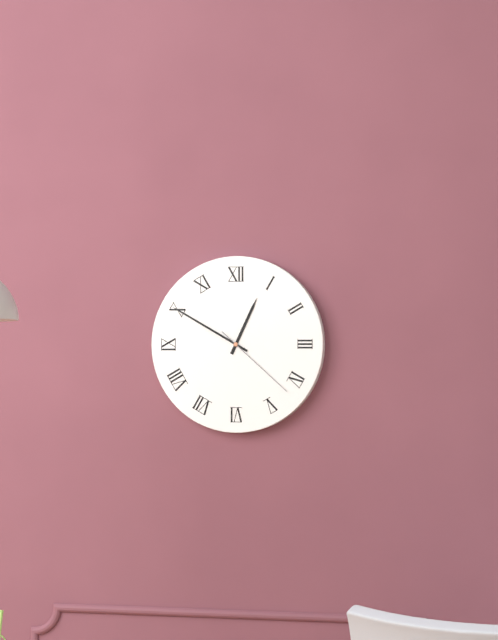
12 h 50 min 22 s
